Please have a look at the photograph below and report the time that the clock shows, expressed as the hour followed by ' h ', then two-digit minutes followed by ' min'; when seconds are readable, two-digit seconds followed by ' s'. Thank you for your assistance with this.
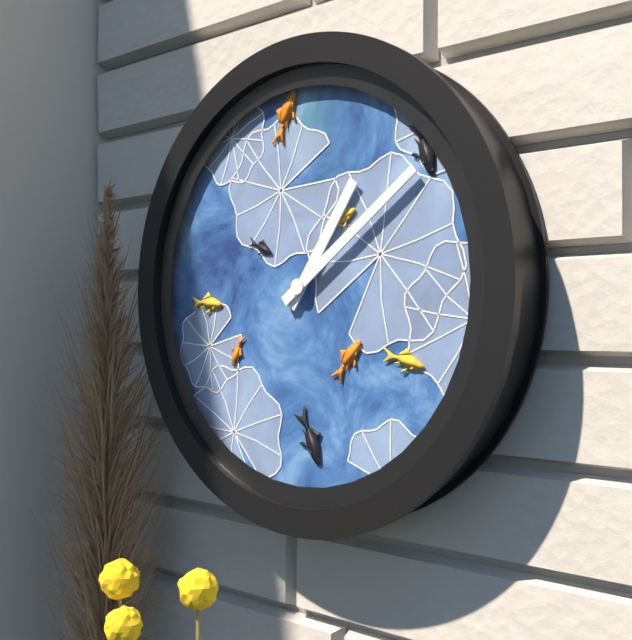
1 h 09 min
